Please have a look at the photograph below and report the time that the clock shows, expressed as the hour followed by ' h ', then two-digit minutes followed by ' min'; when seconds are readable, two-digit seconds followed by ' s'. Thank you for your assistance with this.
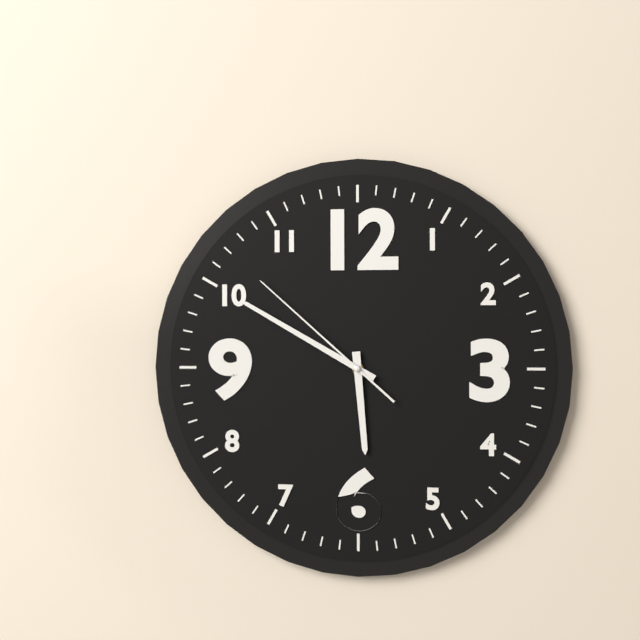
5 h 50 min 52 s
